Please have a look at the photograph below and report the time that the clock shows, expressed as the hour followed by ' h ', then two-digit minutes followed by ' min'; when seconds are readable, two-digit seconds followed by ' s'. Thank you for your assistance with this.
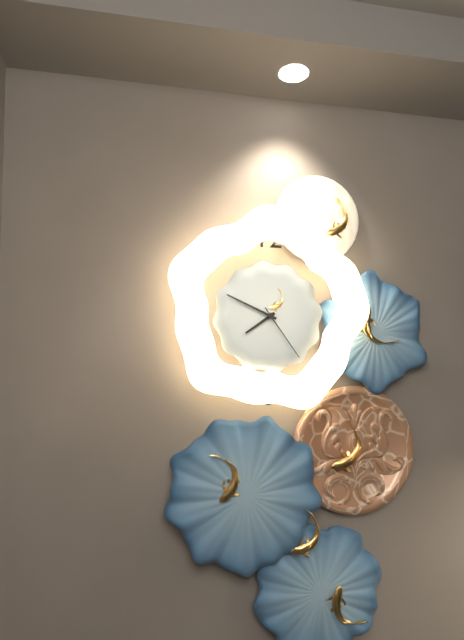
7 h 49 min 24 s
